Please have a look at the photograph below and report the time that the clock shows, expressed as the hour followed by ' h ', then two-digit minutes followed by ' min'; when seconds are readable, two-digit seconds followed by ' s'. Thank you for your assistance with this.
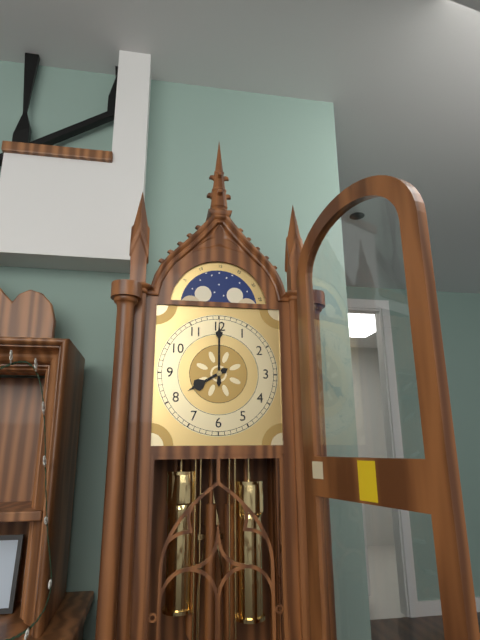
8 h 00 min
